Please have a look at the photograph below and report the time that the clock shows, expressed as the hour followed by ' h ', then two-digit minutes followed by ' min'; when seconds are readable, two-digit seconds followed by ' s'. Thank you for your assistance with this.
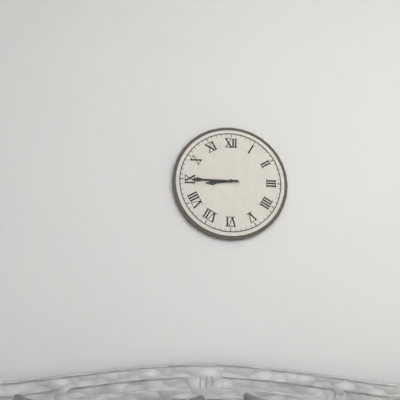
8 h 45 min
